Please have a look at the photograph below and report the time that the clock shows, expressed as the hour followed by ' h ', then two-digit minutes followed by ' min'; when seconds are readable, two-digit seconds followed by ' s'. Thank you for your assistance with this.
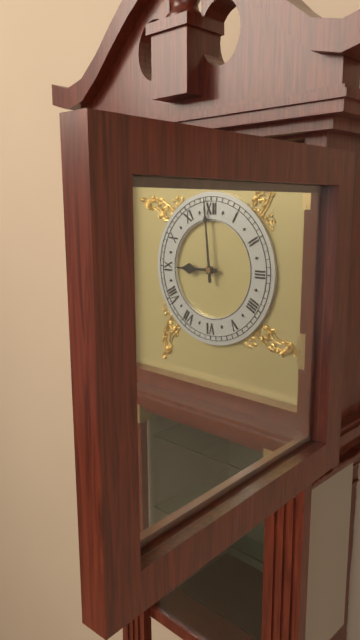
8 h 59 min
